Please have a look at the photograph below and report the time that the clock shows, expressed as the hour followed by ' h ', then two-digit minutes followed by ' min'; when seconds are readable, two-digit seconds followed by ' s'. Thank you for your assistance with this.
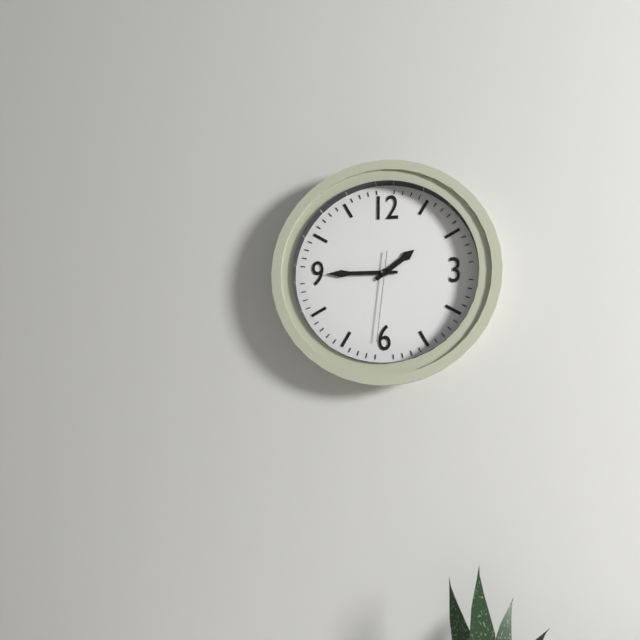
1 h 45 min 31 s
